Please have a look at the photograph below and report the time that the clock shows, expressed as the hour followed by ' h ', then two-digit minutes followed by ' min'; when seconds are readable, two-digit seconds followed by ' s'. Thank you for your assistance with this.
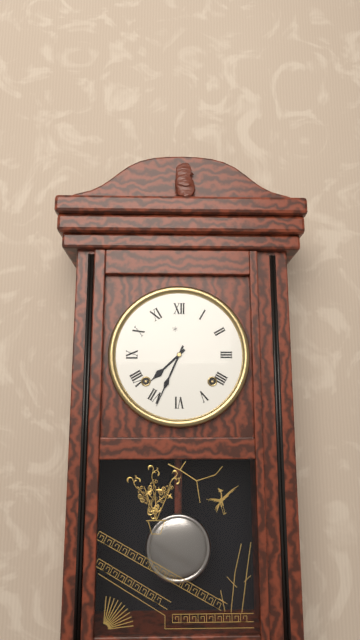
7 h 34 min
